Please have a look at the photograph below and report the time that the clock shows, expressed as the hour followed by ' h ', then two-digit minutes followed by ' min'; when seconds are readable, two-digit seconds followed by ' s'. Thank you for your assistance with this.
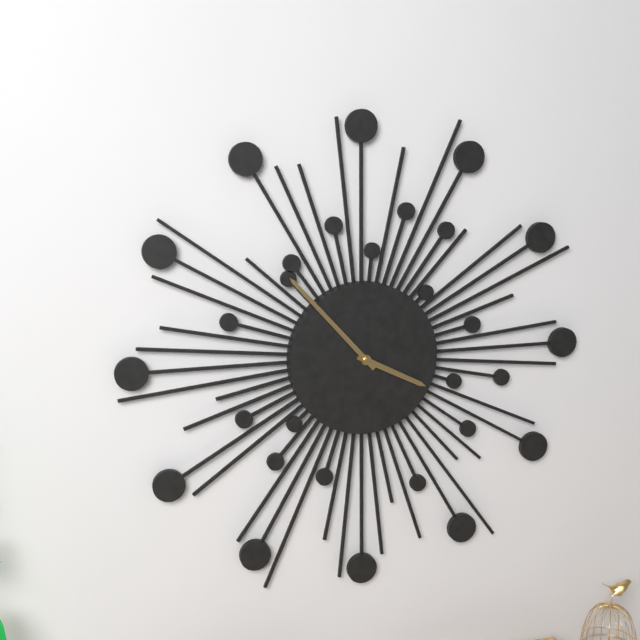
3 h 53 min
